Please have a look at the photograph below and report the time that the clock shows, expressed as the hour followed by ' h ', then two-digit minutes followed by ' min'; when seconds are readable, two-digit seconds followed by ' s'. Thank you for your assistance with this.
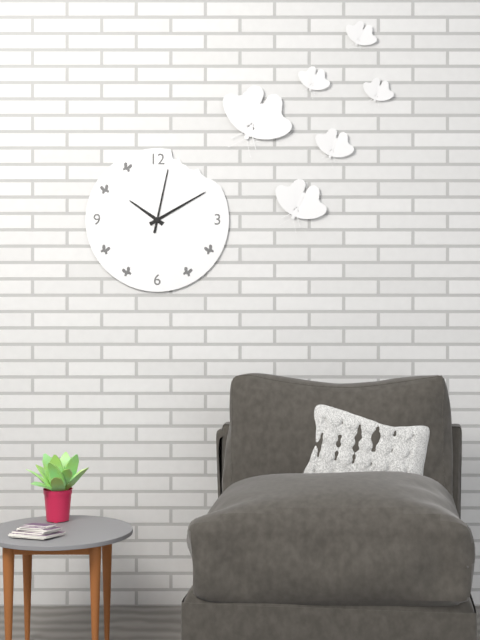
10 h 10 min 02 s
